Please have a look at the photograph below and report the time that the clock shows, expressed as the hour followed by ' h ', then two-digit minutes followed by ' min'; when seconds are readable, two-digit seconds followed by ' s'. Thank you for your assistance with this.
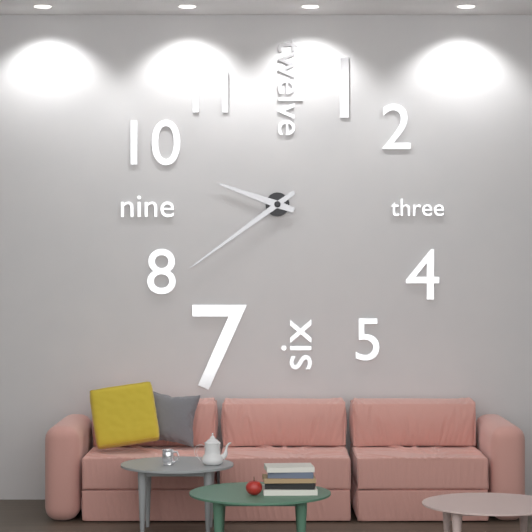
9 h 39 min
